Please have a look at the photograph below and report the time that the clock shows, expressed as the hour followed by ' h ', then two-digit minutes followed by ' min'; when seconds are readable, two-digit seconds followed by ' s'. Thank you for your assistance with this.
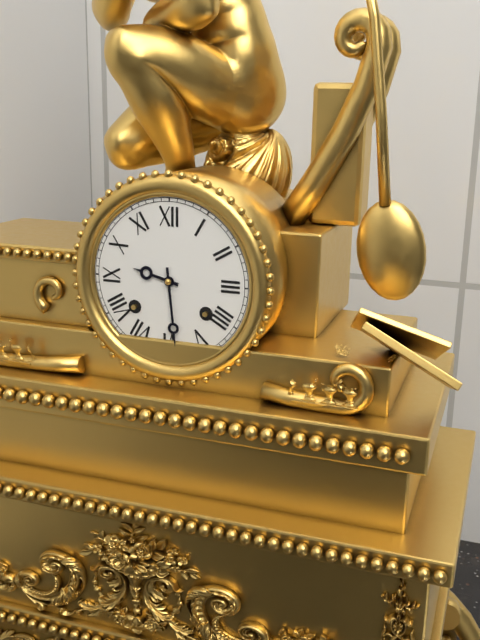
9 h 29 min
